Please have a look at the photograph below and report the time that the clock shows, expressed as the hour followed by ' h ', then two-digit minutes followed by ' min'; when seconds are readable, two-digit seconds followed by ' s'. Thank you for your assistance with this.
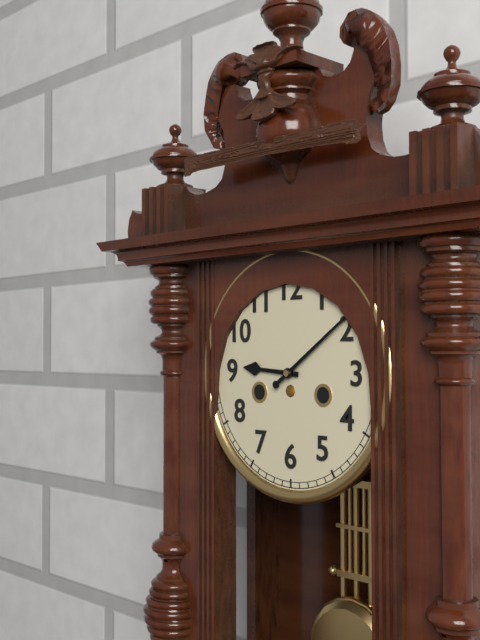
9 h 09 min
